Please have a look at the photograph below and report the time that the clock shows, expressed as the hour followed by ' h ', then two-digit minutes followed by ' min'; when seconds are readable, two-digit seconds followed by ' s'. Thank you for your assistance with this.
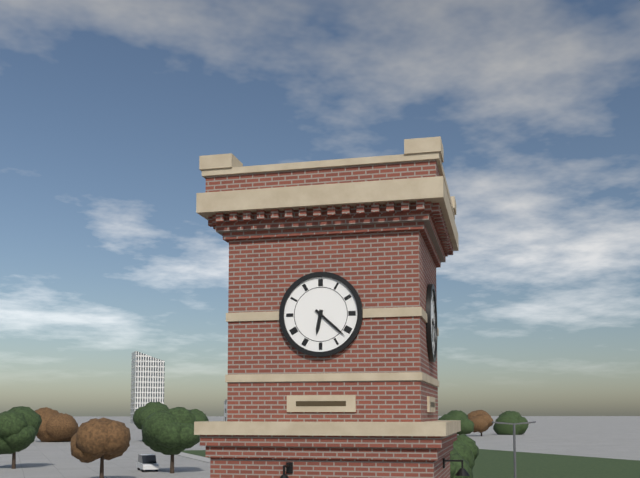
6 h 22 min
